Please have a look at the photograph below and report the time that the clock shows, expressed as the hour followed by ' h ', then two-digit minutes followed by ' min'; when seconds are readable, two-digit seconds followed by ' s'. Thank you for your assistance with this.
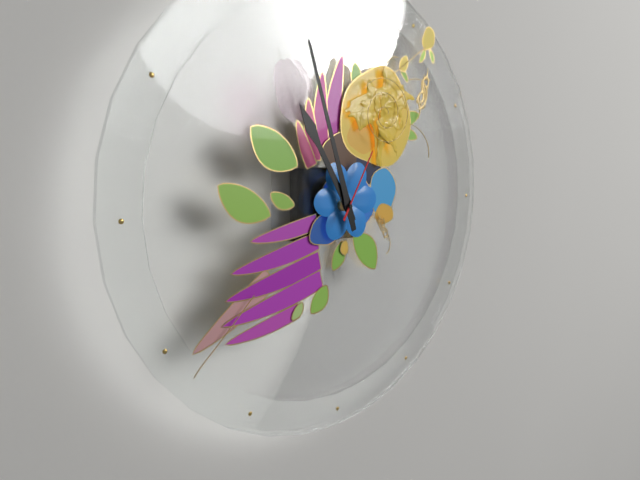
10 h 57 min 05 s
